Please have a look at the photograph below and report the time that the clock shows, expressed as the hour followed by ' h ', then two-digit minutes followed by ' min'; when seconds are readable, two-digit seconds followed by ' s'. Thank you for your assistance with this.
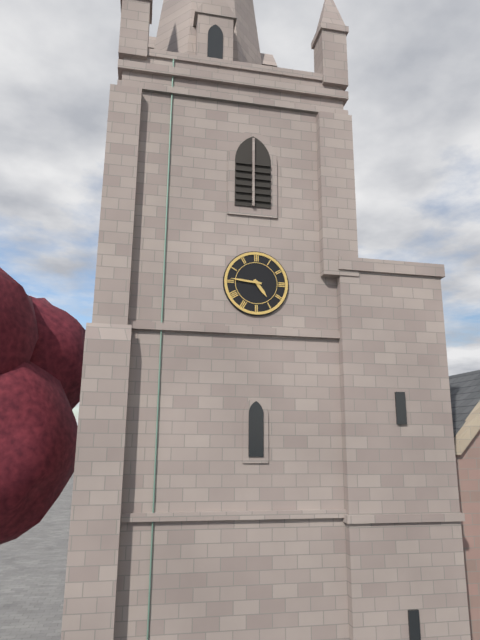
4 h 46 min
